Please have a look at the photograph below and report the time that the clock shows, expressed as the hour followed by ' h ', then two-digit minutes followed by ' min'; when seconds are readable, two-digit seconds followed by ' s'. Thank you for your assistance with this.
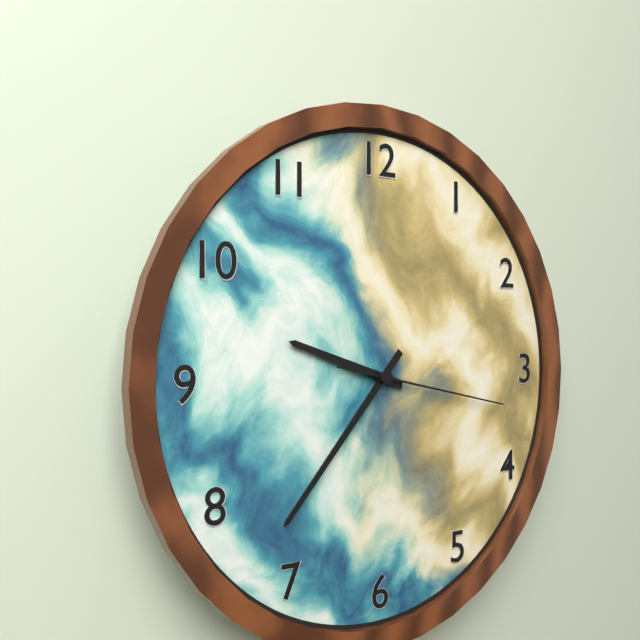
9 h 37 min 17 s
